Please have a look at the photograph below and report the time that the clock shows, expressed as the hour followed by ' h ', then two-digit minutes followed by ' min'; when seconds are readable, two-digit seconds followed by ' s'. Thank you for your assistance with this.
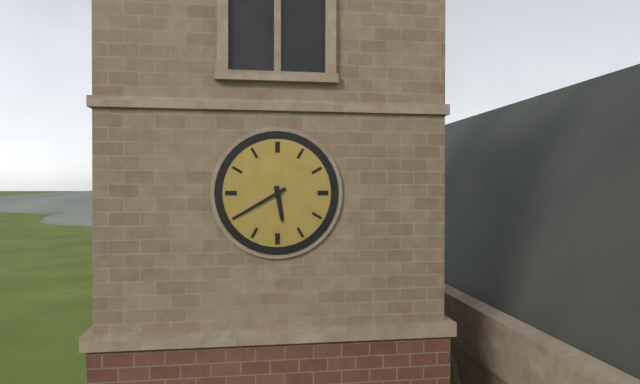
5 h 40 min
